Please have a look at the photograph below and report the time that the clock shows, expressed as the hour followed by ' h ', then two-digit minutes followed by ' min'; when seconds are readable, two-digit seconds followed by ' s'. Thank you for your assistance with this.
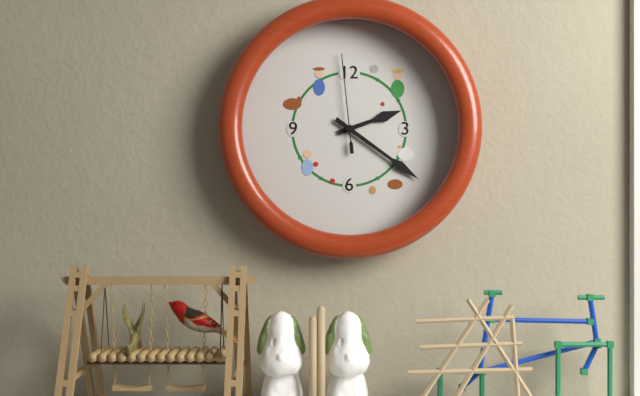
2 h 21 min 59 s
